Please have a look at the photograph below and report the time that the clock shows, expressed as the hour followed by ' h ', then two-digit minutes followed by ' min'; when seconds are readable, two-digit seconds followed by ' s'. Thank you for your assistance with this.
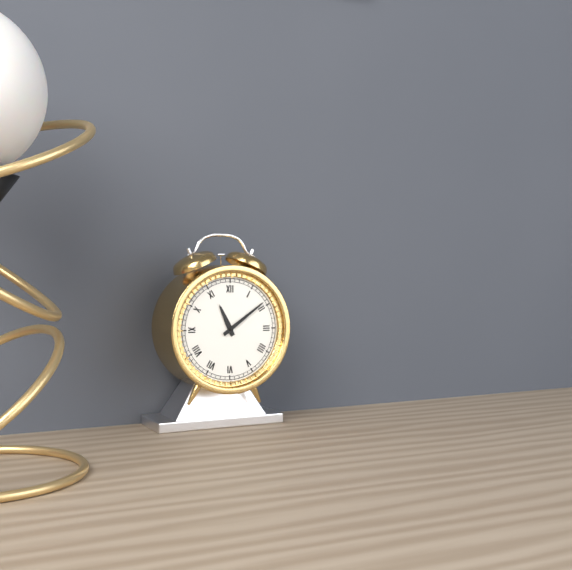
11 h 09 min
